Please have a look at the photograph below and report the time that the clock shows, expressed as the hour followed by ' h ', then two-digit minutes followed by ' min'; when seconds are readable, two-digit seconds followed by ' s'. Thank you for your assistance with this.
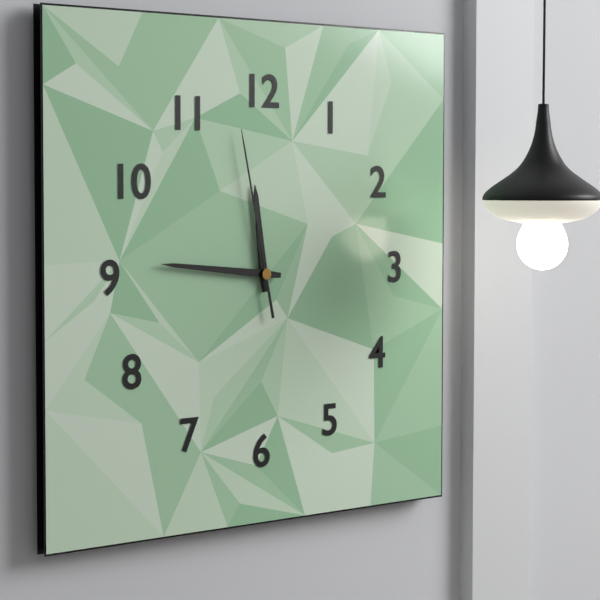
11 h 46 min 58 s
